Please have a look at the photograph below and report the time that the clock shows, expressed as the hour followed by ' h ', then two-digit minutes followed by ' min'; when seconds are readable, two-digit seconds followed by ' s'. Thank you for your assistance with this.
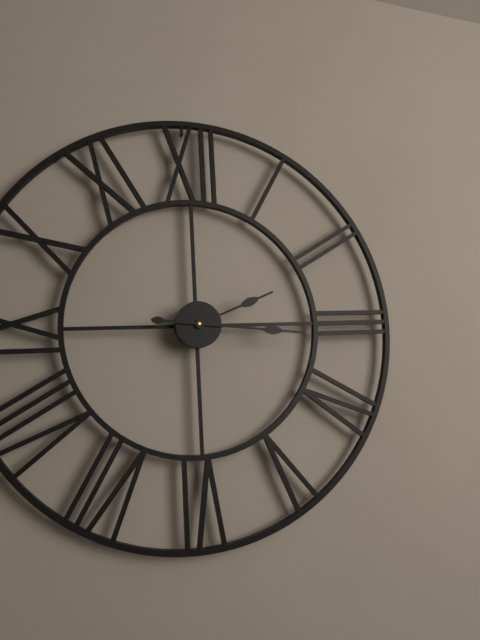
2 h 16 min
